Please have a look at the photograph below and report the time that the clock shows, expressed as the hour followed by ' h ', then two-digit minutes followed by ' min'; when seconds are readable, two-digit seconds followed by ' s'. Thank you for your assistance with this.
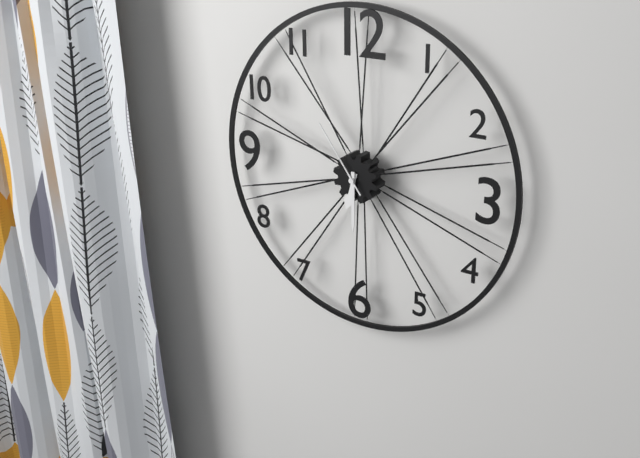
6 h 30 min 54 s
